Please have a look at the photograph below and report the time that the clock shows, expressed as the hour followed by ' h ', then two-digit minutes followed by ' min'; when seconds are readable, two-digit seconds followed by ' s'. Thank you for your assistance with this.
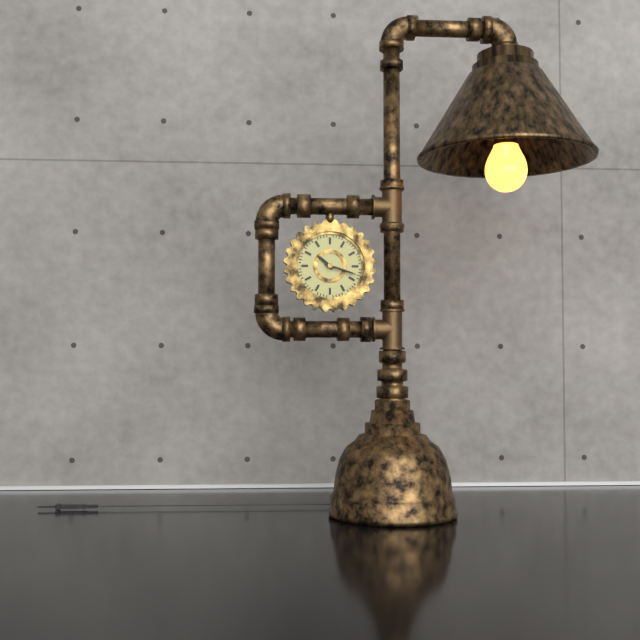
10 h 18 min
